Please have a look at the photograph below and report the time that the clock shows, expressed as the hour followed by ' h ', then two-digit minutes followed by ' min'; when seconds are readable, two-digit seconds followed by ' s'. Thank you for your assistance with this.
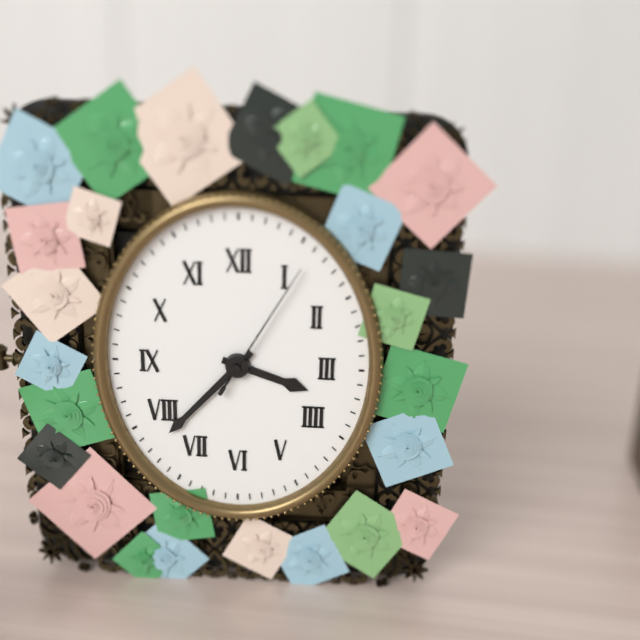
3 h 37 min 05 s
